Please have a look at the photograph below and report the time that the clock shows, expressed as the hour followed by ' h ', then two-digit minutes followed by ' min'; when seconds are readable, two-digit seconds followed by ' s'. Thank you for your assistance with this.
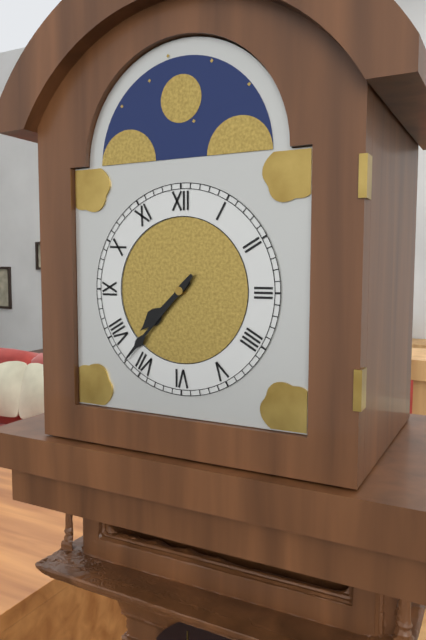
7 h 37 min
